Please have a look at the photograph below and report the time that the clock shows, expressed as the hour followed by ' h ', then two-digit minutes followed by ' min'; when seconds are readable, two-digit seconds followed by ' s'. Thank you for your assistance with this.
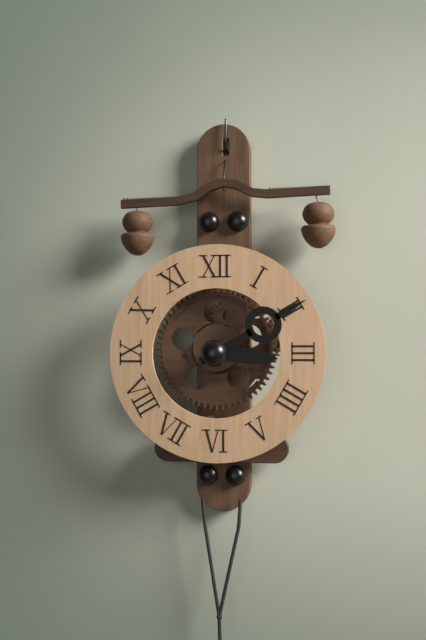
3 h 10 min
